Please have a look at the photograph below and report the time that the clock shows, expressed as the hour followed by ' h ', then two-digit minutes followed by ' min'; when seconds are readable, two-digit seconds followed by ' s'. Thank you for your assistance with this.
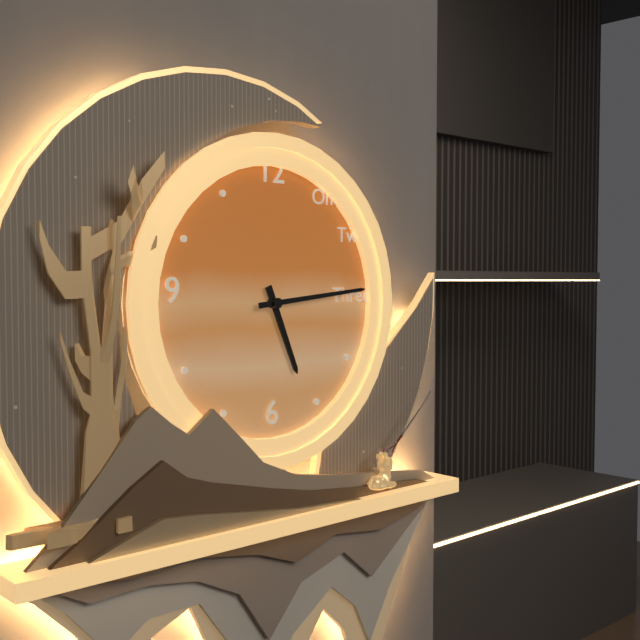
5 h 14 min
